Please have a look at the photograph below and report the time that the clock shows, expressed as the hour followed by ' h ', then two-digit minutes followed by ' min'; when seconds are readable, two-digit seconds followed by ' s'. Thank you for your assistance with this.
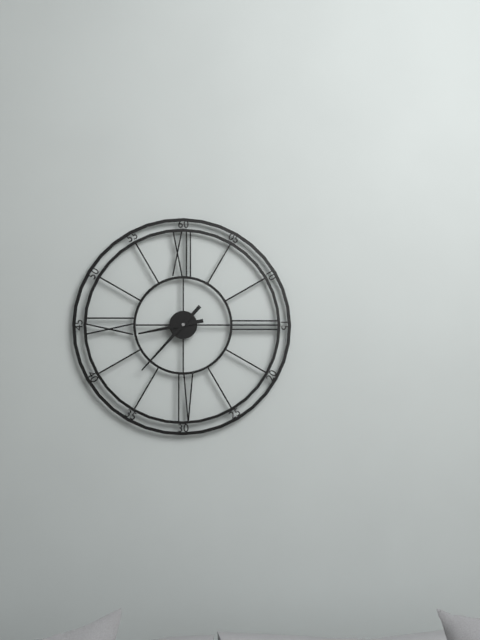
8 h 37 min
